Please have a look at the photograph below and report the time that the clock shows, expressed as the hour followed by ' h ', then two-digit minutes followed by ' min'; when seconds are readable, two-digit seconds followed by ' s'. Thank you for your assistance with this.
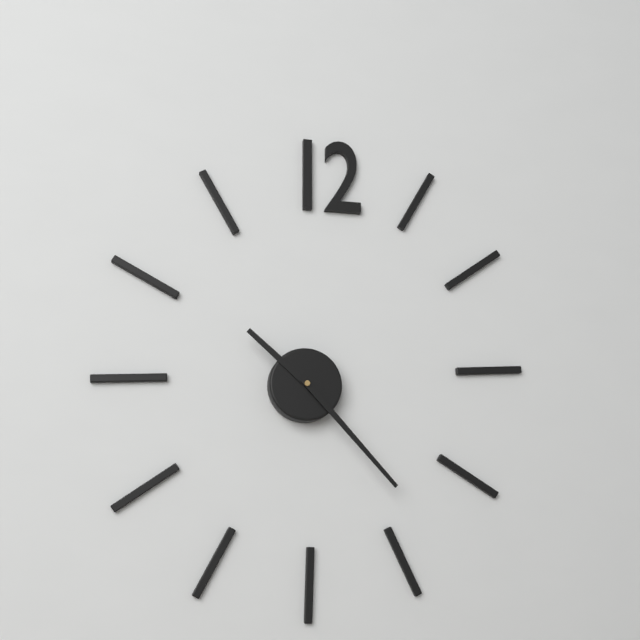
10 h 23 min
